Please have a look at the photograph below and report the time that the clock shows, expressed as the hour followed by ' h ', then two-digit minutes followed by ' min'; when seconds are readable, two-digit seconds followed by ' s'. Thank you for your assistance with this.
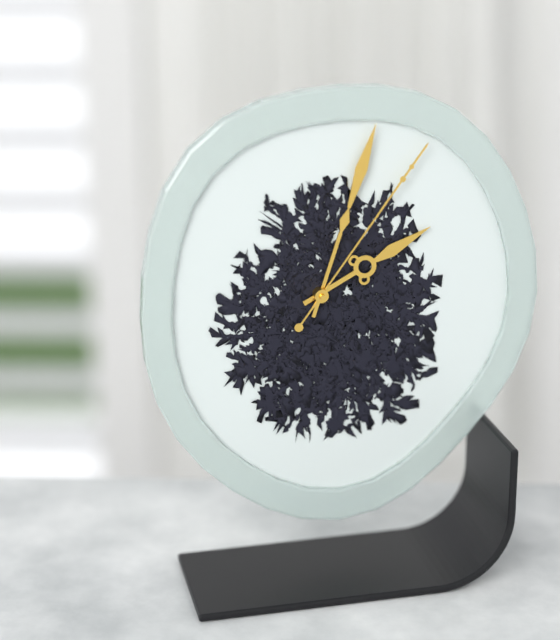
2 h 03 min 06 s
